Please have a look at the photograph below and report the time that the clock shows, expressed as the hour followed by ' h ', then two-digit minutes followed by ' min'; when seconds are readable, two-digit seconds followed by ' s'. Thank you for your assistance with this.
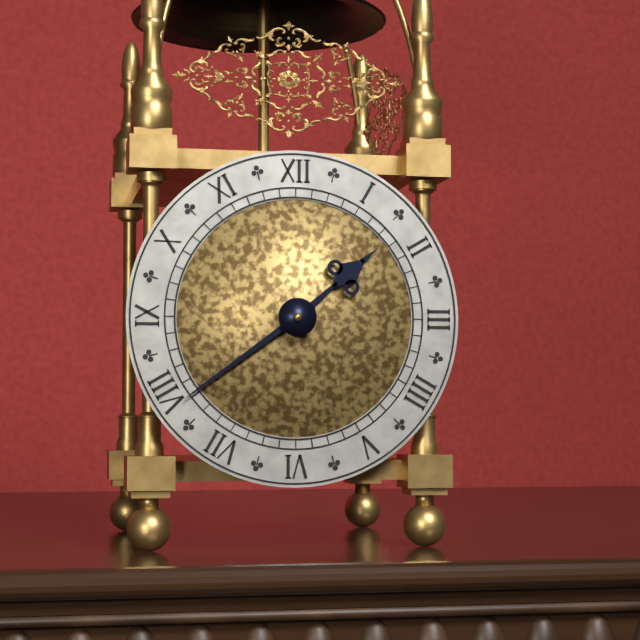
1 h 39 min
